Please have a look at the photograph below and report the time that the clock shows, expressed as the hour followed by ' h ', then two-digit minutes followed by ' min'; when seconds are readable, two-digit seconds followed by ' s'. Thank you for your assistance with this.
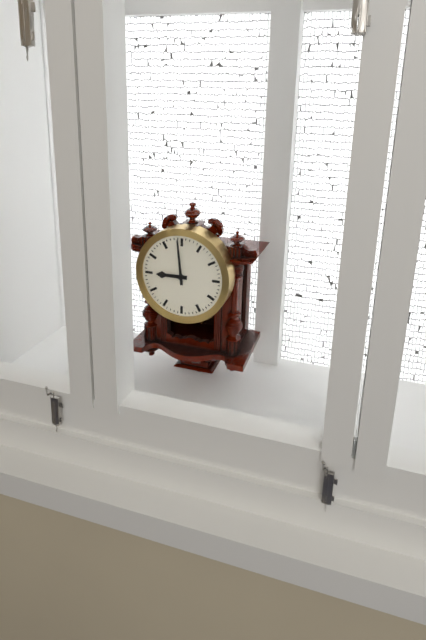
8 h 59 min
